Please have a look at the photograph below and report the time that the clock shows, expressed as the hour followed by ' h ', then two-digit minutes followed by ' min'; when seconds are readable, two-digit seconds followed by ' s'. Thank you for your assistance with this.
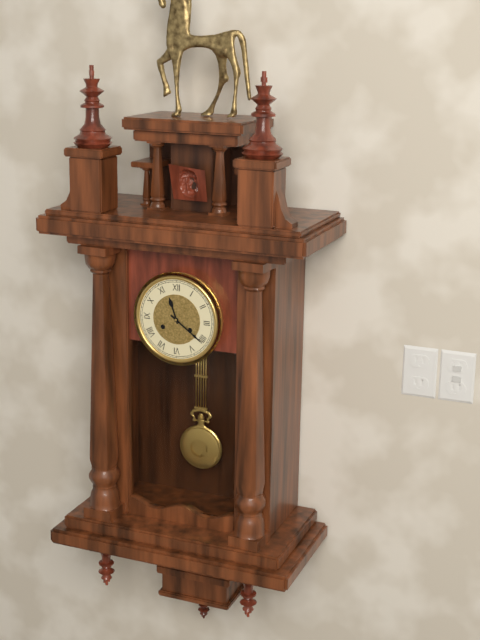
11 h 21 min
